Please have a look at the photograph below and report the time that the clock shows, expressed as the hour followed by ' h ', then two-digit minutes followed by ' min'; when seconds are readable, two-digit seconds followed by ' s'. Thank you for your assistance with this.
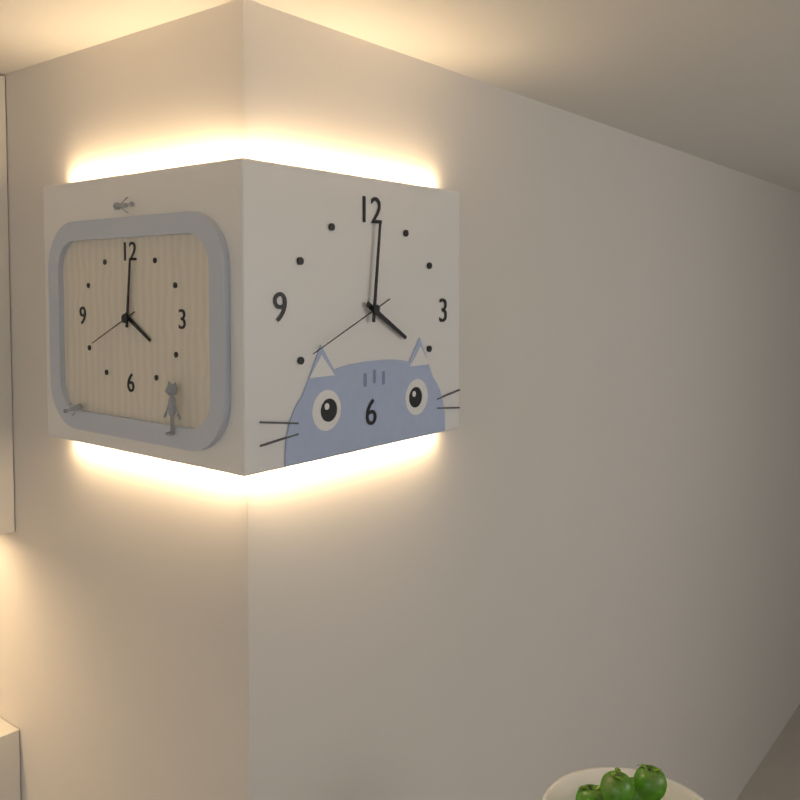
4 h 01 min 41 s
